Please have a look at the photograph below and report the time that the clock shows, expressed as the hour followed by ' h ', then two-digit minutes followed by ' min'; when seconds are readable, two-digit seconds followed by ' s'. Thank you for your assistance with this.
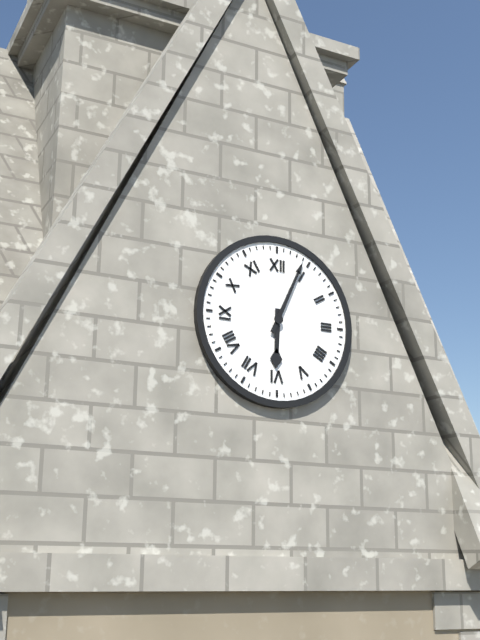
6 h 04 min
